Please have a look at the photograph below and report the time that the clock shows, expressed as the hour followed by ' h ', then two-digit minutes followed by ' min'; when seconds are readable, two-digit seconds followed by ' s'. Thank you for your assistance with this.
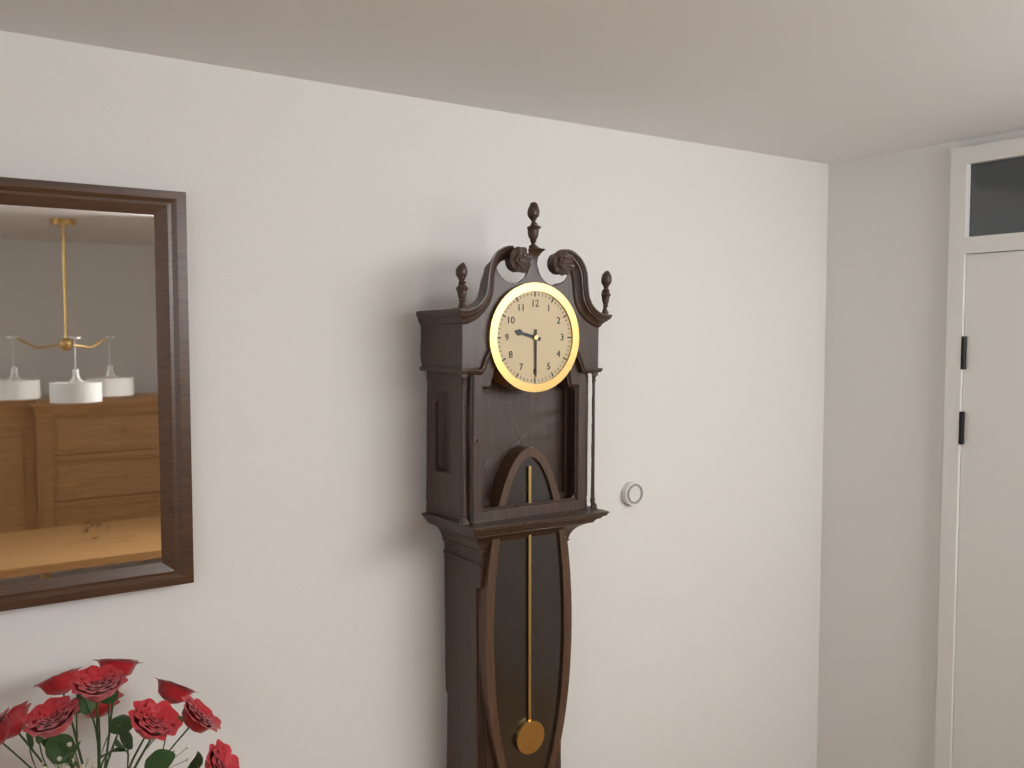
9 h 30 min
